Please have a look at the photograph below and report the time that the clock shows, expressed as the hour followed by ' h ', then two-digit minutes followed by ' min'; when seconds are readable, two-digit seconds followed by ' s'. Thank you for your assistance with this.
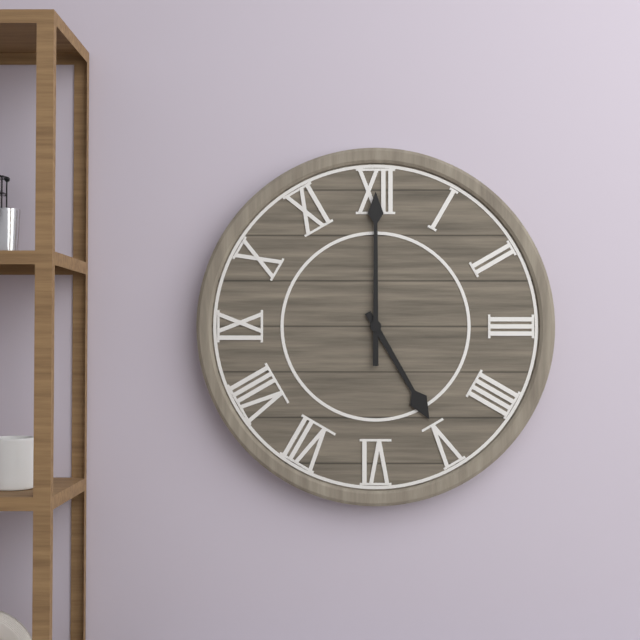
5 h 00 min
